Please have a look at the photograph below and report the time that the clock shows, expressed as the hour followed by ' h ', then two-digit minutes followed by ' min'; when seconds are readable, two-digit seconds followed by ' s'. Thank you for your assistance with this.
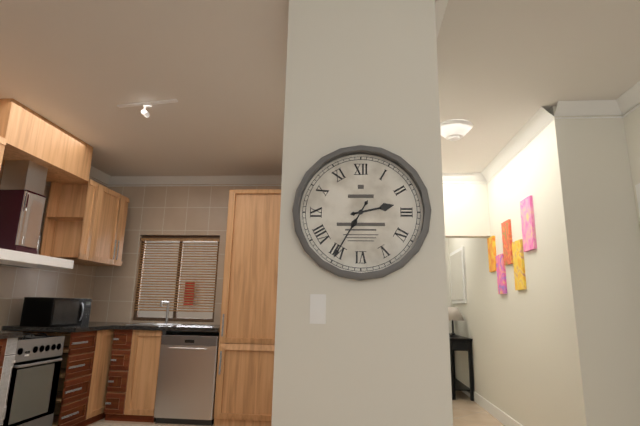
2 h 35 min
